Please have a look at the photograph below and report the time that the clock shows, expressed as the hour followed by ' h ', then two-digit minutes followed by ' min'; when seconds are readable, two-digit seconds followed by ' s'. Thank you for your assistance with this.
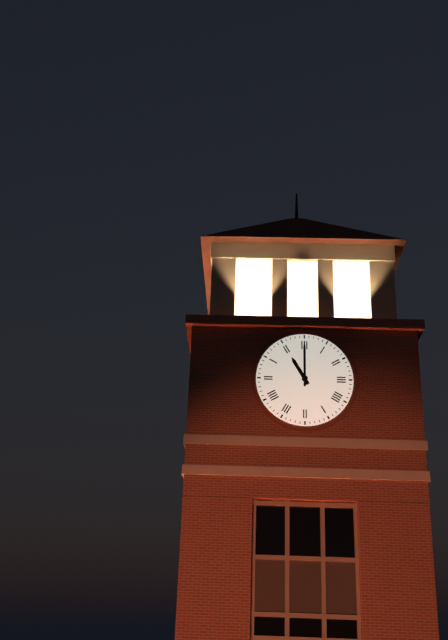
11 h 00 min
